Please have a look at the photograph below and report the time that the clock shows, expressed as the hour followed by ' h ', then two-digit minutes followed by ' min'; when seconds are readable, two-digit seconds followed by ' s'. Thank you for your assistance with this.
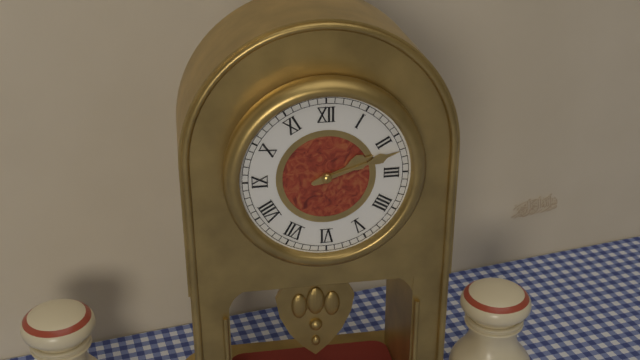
2 h 12 min
